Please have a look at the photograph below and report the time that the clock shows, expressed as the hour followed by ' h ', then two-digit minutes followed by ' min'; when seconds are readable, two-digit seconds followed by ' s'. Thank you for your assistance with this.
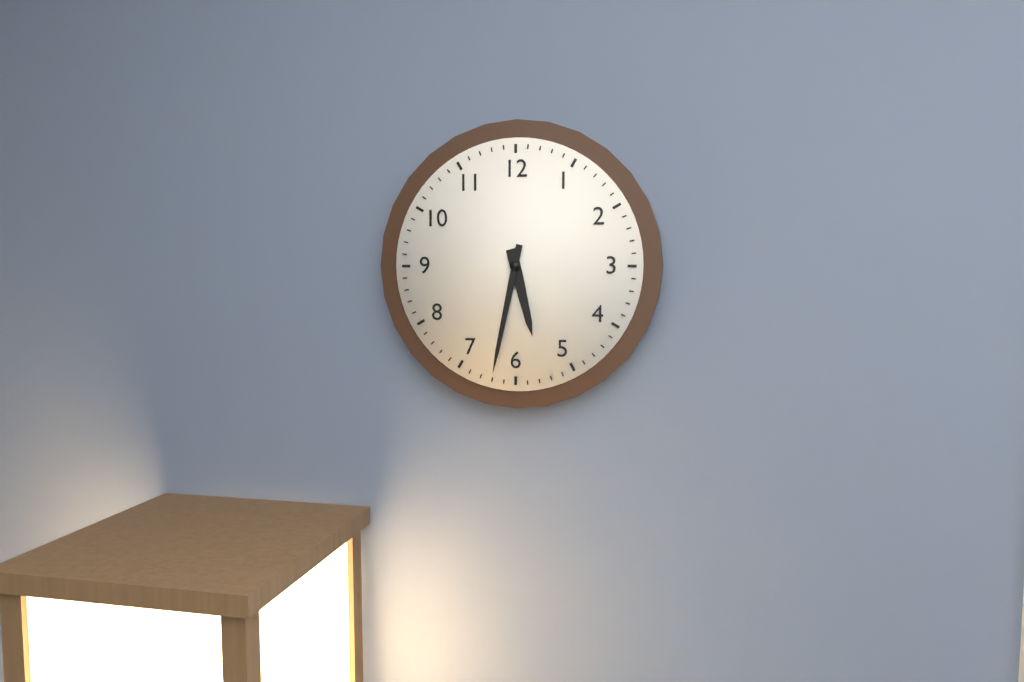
5 h 32 min
